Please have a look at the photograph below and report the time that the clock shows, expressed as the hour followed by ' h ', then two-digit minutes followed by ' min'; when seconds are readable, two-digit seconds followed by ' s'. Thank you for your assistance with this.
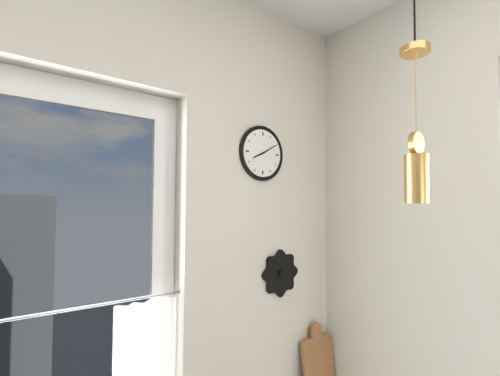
8 h 10 min
